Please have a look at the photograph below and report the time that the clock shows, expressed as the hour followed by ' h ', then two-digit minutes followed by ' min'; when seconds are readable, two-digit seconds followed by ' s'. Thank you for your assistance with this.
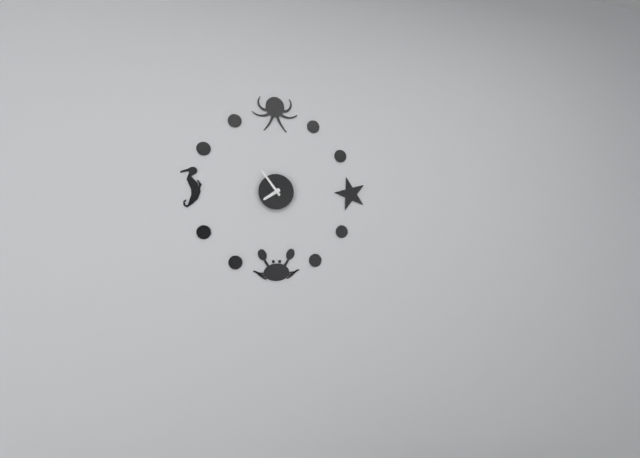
7 h 54 min
